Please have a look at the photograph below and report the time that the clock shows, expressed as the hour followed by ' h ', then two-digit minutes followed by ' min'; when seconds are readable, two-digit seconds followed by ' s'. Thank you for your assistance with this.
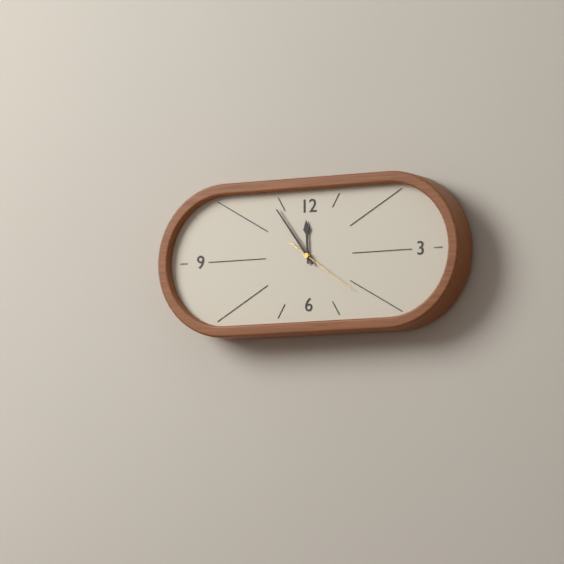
11 h 54 min 21 s
